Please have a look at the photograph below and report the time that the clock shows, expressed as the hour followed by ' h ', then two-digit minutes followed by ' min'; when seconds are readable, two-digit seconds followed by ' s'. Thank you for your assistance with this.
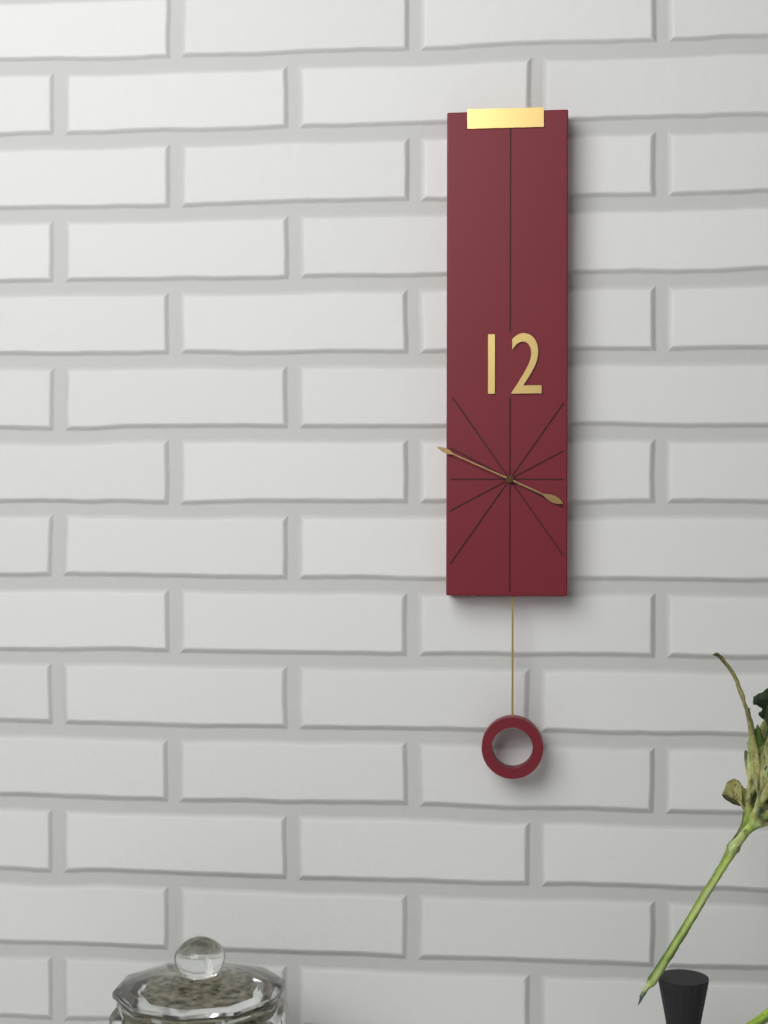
3 h 49 min
